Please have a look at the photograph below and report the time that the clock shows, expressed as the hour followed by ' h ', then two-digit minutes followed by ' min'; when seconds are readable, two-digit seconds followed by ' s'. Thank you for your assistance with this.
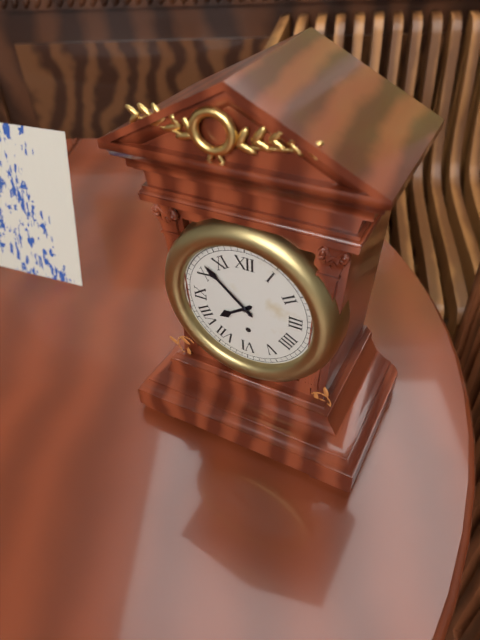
7 h 52 min
